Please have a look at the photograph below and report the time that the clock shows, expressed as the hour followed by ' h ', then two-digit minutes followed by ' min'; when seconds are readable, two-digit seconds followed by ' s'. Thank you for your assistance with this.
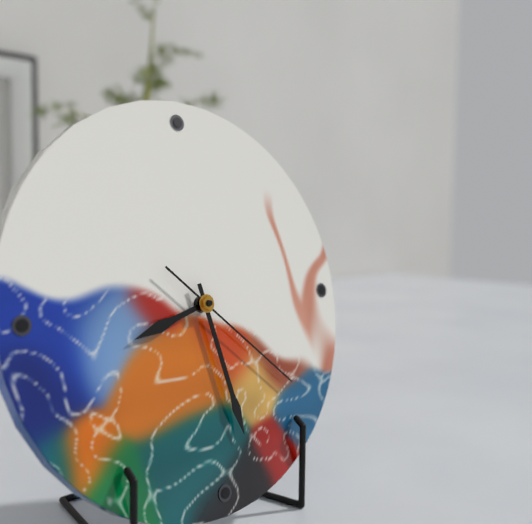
8 h 28 min 22 s
